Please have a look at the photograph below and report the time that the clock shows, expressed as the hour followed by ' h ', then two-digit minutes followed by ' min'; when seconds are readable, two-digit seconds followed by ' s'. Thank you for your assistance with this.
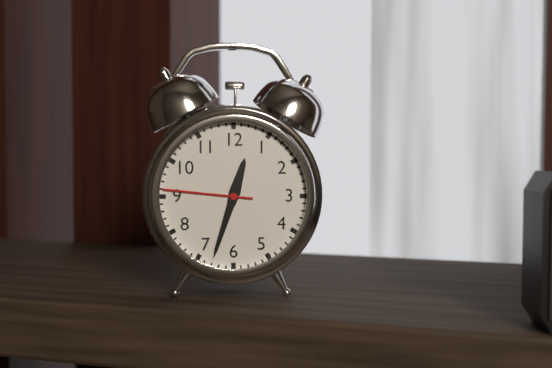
12 h 33 min 46 s
